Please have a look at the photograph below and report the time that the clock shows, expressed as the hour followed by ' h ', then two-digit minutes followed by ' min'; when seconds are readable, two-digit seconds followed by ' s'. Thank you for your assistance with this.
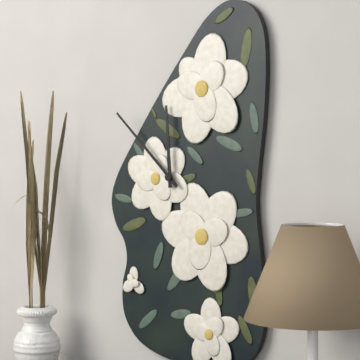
11 h 52 min
